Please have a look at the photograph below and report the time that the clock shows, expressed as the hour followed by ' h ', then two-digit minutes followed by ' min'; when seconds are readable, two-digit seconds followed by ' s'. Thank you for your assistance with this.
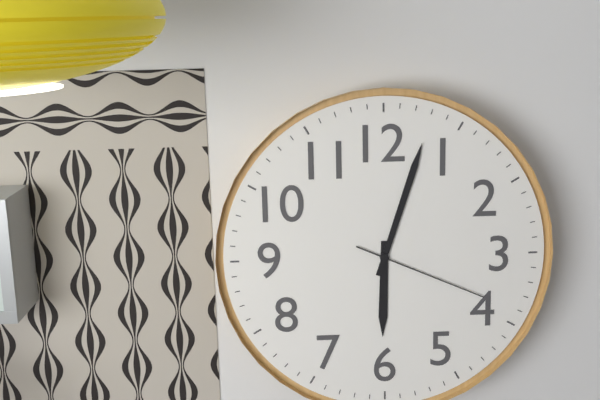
6 h 03 min 19 s
